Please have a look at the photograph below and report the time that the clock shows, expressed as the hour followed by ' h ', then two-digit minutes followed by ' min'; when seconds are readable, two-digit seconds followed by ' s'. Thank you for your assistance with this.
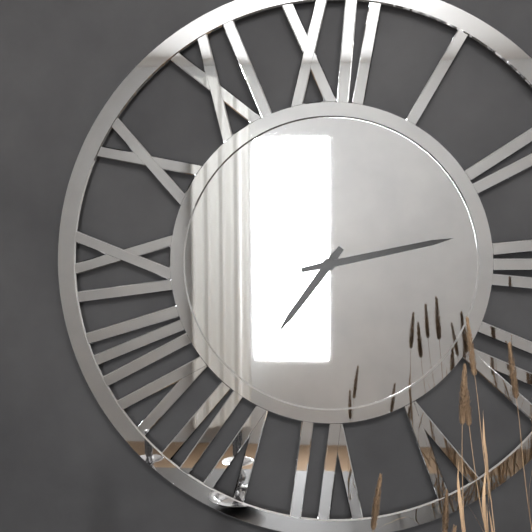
7 h 13 min
